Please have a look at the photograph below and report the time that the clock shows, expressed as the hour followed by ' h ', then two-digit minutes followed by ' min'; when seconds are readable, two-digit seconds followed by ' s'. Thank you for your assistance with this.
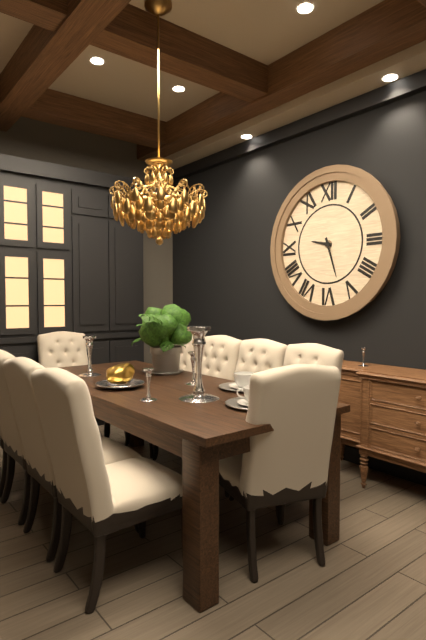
9 h 27 min
